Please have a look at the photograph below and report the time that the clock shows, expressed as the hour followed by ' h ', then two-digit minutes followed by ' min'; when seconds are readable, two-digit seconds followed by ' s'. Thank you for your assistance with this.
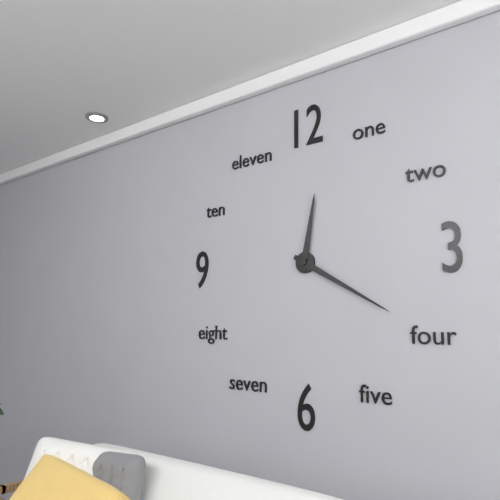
12 h 20 min
